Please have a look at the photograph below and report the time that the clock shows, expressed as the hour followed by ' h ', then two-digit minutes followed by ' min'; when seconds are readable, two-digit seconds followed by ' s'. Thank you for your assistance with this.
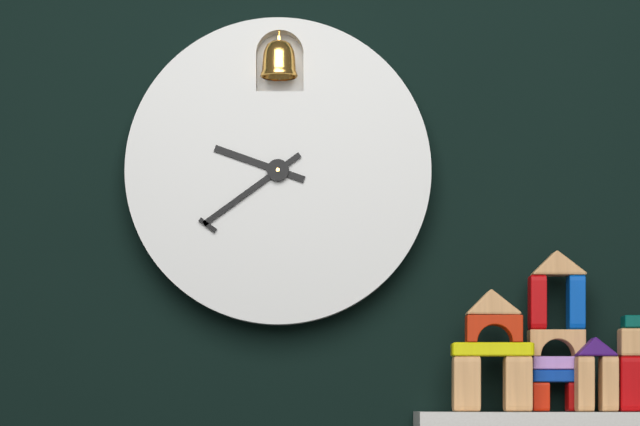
9 h 39 min
